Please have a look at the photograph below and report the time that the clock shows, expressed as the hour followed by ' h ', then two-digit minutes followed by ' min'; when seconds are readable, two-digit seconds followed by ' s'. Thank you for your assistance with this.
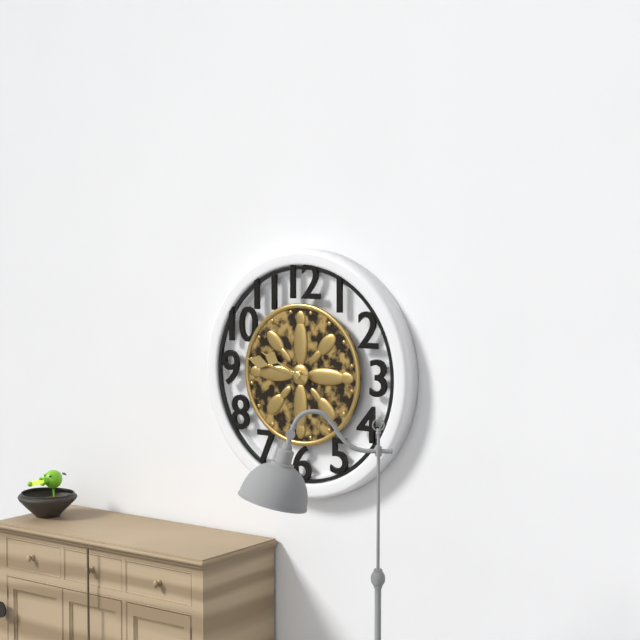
9 h 47 min
